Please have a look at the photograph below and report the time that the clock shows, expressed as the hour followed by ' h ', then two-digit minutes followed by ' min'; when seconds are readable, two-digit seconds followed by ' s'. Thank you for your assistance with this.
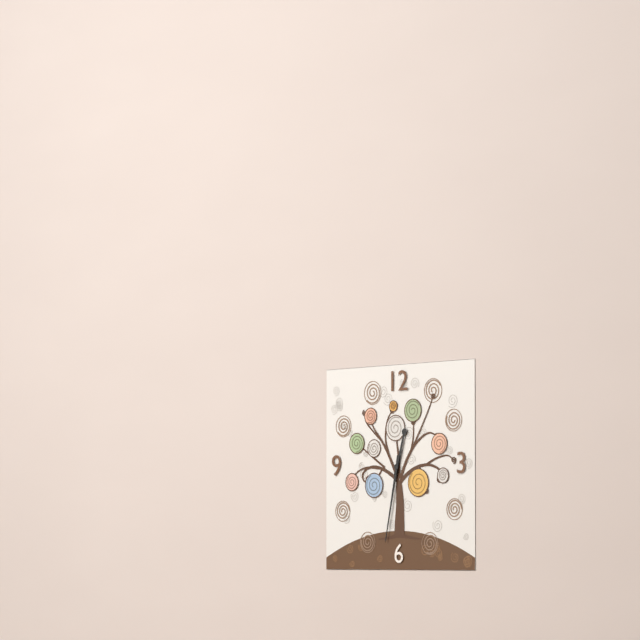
12 h 32 min
